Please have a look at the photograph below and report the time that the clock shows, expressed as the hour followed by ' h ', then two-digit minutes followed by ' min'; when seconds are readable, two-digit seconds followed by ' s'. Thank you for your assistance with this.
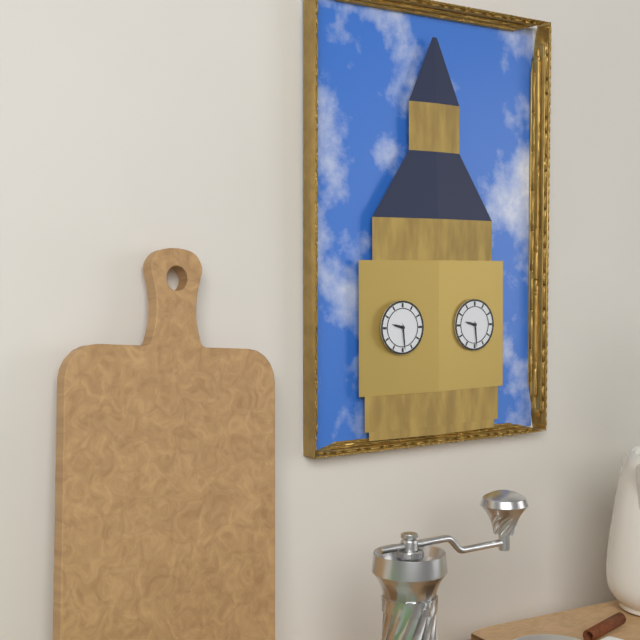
9 h 29 min
